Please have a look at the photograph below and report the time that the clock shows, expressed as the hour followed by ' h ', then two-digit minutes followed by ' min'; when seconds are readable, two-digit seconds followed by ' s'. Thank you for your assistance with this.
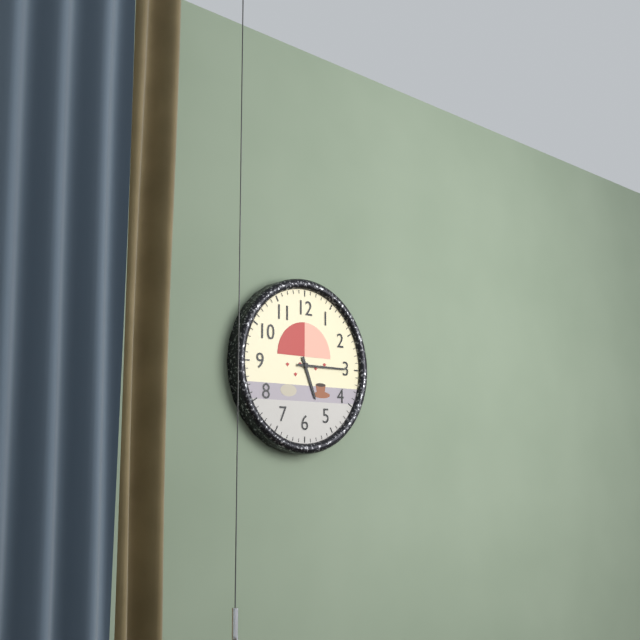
5 h 15 min
